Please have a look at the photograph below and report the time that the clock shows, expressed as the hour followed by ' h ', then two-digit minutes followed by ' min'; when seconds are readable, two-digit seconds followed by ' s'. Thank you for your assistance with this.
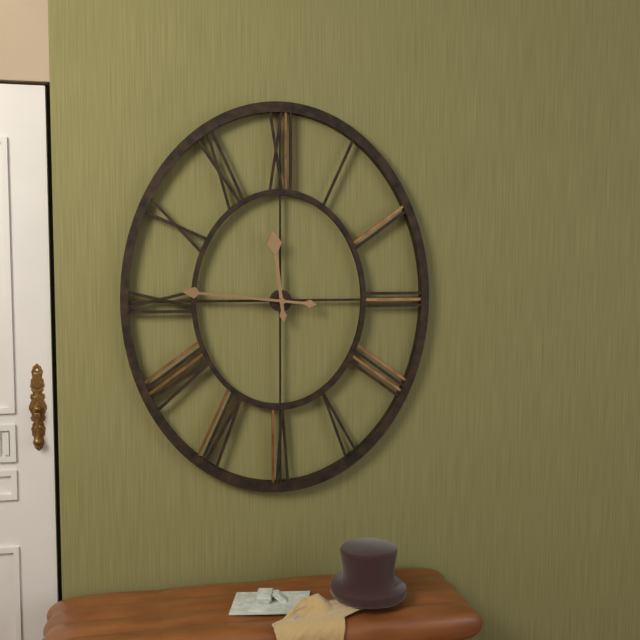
11 h 46 min
